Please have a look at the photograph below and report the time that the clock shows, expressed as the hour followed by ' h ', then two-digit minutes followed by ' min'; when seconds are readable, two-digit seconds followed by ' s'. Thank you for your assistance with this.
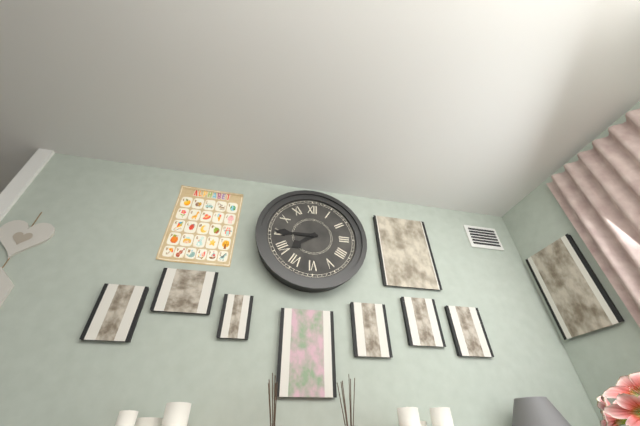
7 h 45 min
